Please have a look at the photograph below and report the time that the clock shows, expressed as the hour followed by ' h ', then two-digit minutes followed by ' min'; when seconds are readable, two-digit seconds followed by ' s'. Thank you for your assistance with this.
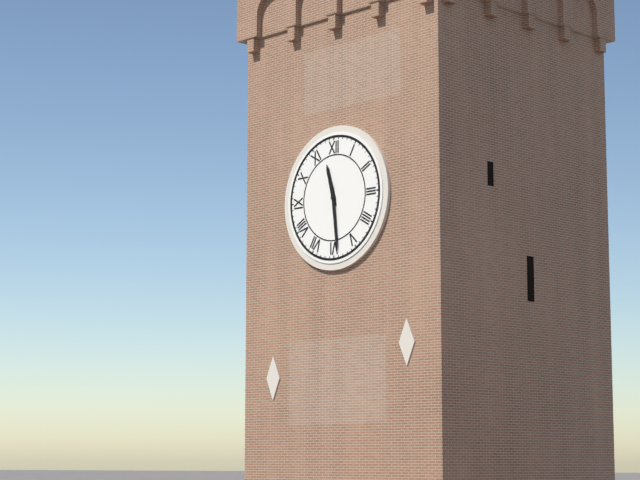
11 h 29 min
